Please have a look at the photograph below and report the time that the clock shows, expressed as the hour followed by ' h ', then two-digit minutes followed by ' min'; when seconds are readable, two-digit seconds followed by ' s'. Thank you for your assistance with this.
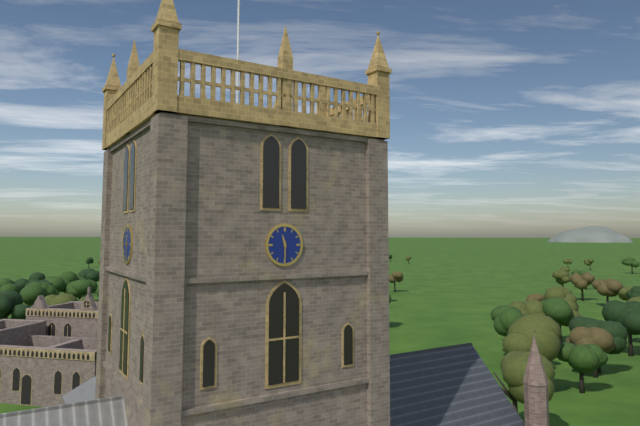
11 h 30 min
